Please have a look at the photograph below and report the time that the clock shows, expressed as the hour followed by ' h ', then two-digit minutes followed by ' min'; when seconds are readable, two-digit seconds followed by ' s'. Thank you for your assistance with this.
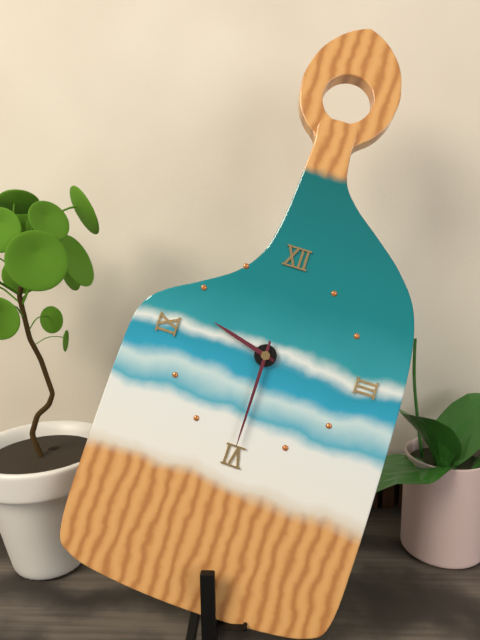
9 h 30 min
